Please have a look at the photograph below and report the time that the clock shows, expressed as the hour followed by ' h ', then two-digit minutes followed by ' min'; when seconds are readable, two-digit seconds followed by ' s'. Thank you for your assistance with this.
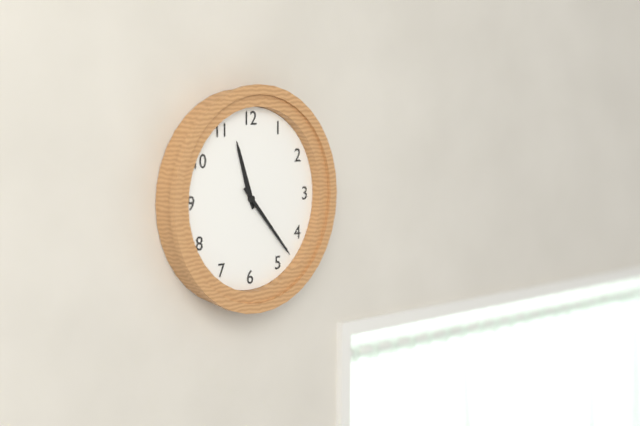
11 h 23 min
